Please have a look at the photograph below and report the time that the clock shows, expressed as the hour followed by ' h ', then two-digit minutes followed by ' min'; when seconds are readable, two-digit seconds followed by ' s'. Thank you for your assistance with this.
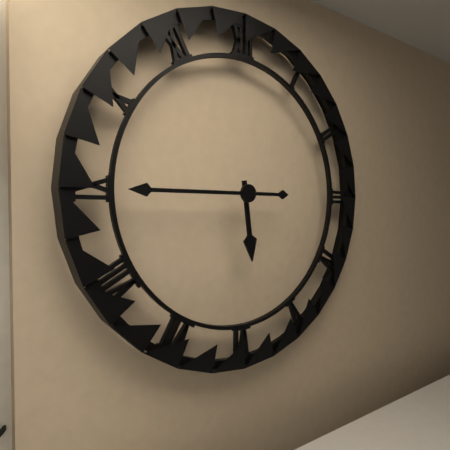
5 h 45 min
